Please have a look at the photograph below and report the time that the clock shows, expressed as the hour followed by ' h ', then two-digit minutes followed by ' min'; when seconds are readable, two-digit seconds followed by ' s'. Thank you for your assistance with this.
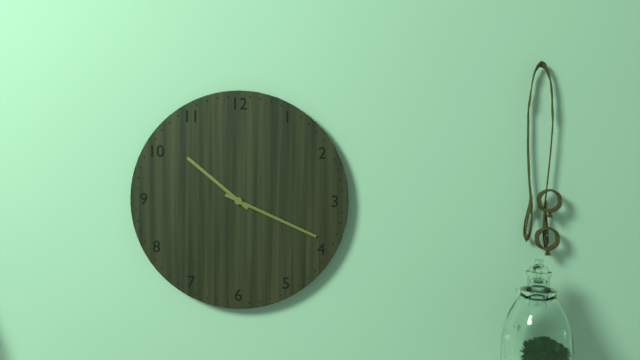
10 h 19 min
